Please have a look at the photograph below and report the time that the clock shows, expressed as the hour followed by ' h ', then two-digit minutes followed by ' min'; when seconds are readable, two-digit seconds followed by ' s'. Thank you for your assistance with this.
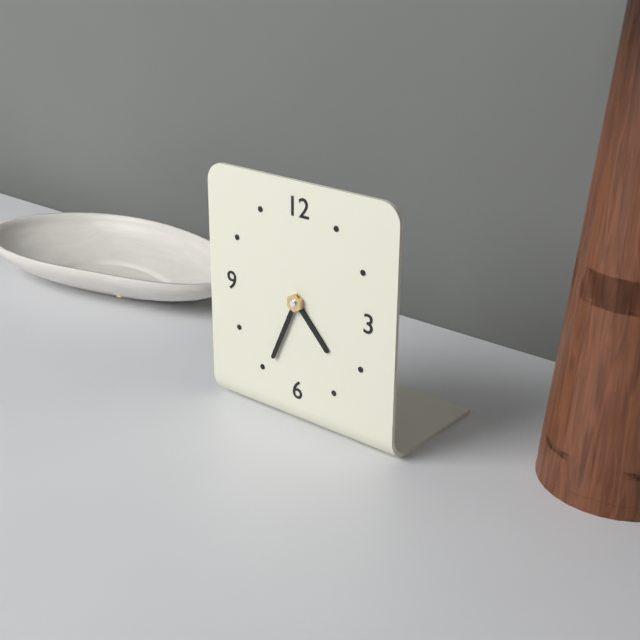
4 h 34 min
